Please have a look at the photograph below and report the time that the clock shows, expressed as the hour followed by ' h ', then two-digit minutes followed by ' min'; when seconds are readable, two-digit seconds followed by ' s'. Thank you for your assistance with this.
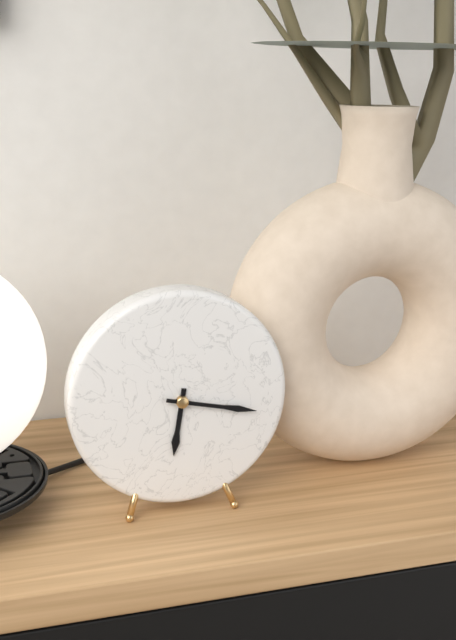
6 h 17 min
